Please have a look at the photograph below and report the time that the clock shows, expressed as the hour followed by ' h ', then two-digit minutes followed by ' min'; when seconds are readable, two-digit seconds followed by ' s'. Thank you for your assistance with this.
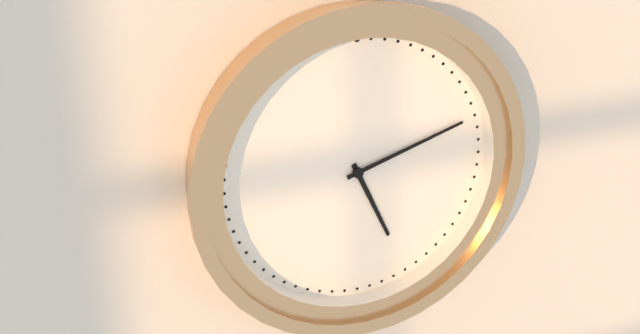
5 h 12 min
